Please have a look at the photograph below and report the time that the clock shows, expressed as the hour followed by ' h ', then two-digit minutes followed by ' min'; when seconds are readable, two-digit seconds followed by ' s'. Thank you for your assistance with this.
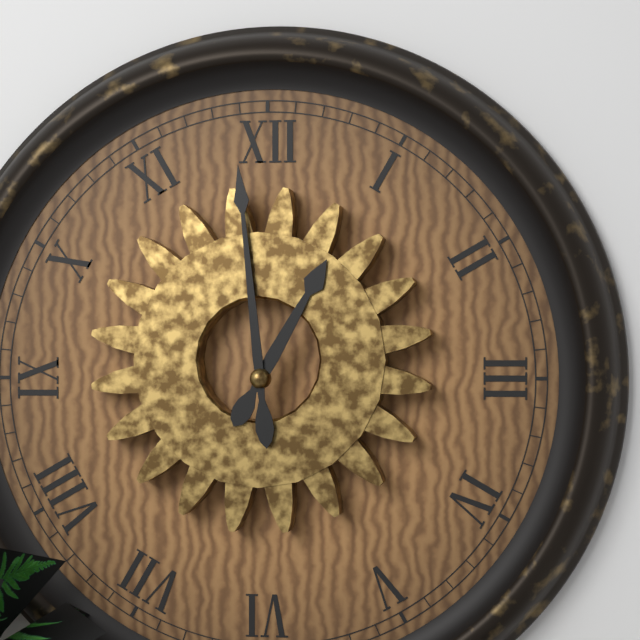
12 h 59 min
